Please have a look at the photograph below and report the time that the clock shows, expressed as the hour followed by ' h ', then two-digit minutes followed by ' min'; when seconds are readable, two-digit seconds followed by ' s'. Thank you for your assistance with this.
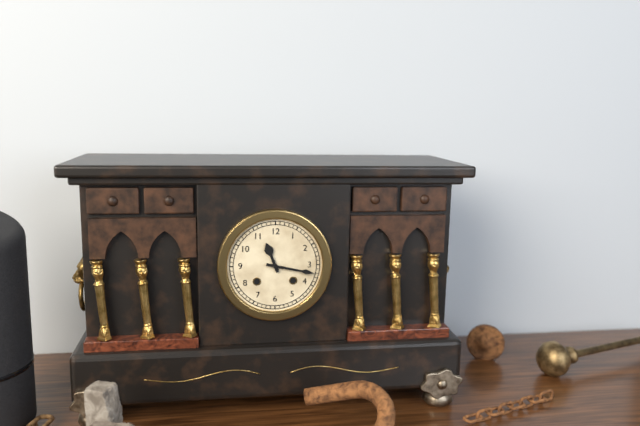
11 h 17 min
